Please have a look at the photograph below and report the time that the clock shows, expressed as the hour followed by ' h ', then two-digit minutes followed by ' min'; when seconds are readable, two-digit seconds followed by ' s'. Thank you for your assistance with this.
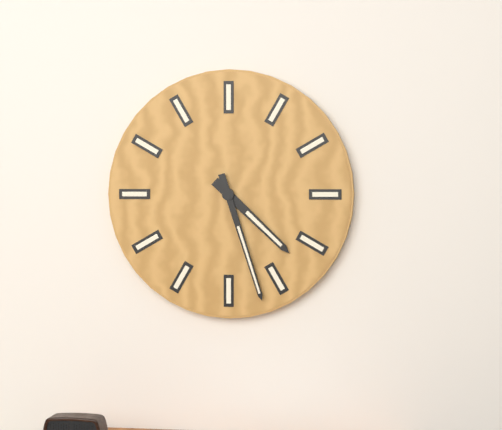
4 h 27 min
